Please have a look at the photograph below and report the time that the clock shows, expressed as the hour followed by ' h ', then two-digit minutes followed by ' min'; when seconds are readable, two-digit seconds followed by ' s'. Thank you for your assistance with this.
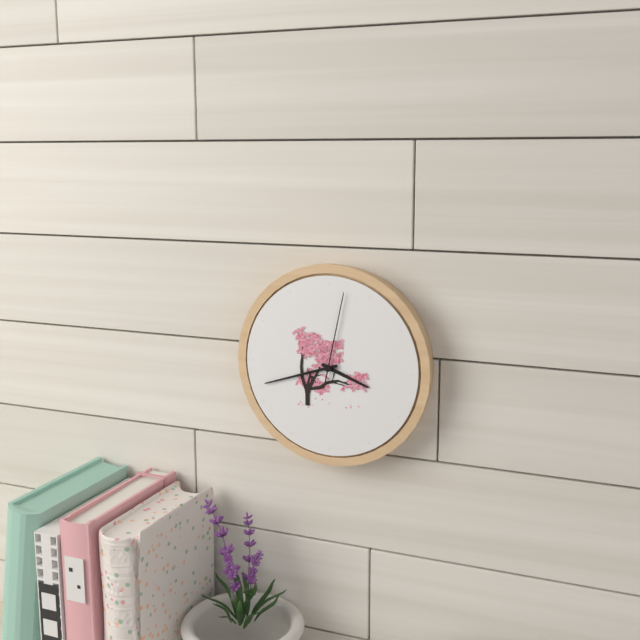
3 h 42 min 02 s
